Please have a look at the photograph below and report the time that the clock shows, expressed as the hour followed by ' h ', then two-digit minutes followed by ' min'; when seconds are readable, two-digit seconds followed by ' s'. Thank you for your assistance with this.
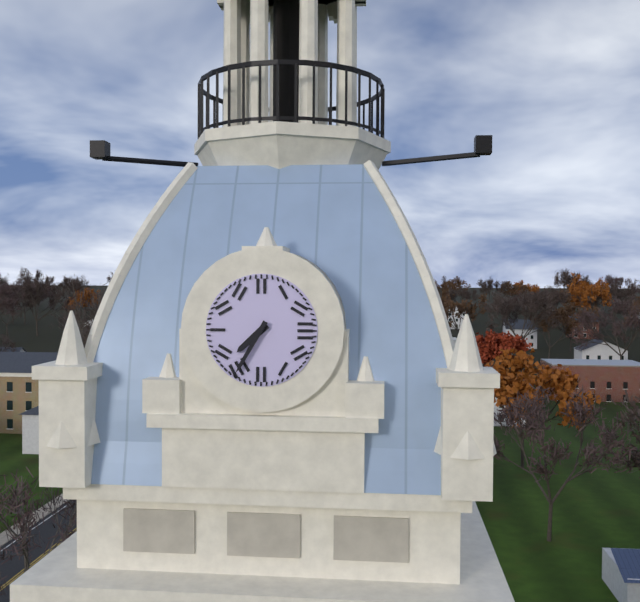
7 h 35 min
